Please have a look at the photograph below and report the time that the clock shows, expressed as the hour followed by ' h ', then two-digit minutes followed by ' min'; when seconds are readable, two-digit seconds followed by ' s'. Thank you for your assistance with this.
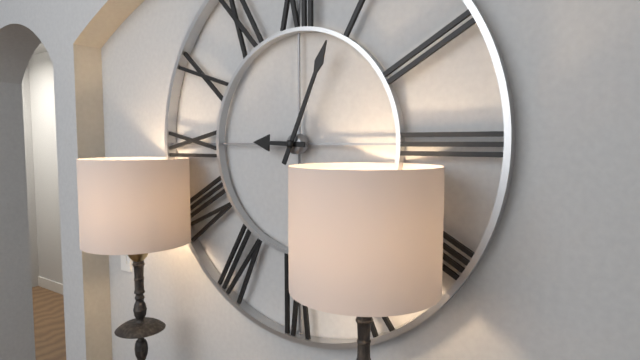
9 h 04 min
